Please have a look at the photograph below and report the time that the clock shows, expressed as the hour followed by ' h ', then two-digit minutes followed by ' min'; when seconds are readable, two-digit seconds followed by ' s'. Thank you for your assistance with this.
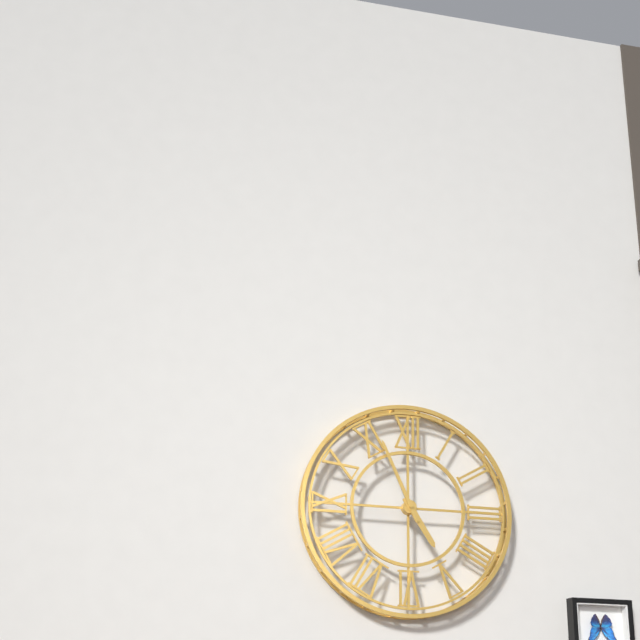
4 h 56 min
